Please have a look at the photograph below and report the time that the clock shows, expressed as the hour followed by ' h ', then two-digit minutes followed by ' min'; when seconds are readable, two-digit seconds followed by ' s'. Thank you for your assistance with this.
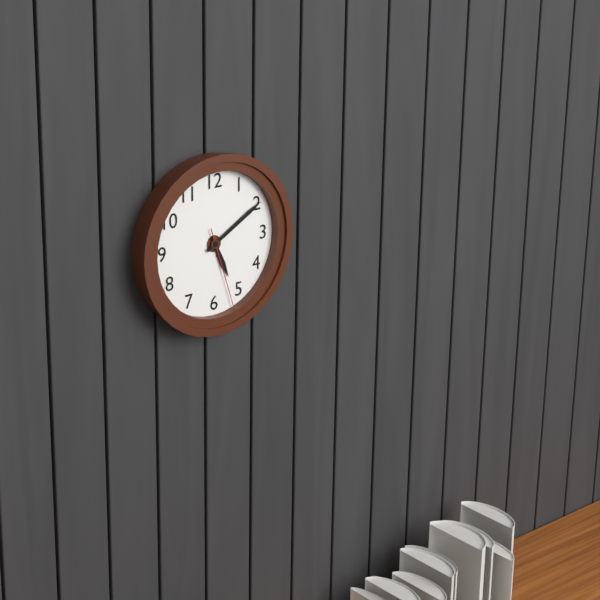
5 h 10 min 27 s
